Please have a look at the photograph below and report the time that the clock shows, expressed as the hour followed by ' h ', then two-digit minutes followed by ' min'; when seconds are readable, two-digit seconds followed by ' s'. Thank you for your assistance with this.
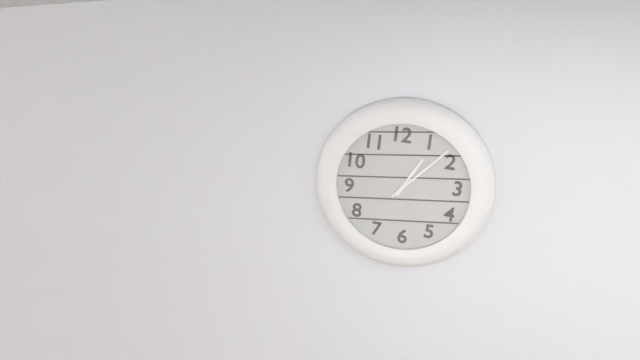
1 h 08 min
